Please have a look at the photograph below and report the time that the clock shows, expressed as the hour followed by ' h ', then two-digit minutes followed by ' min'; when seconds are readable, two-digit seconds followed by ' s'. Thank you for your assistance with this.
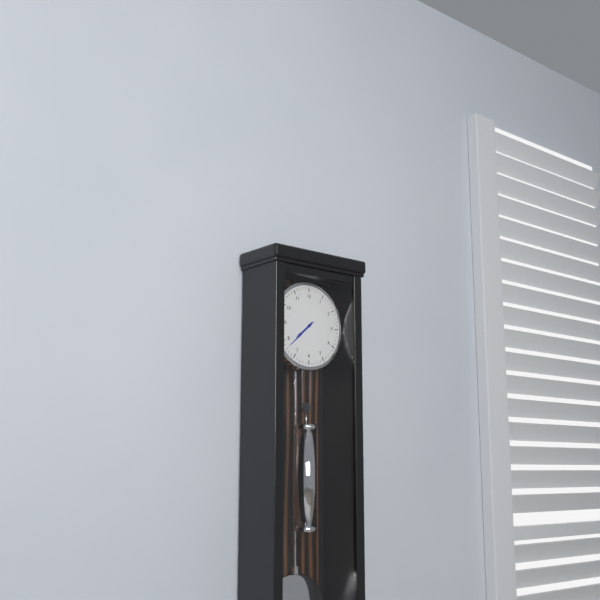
7 h 38 min
